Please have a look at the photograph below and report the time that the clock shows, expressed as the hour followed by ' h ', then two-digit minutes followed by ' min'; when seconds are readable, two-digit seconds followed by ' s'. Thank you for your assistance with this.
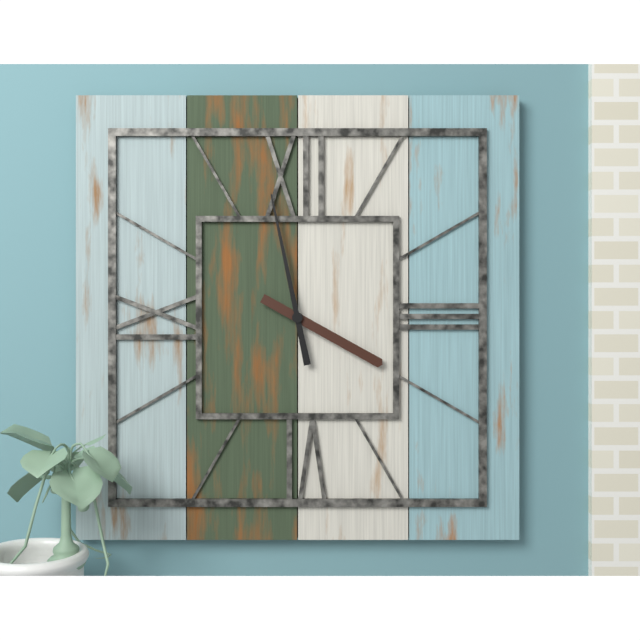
3 h 58 min
